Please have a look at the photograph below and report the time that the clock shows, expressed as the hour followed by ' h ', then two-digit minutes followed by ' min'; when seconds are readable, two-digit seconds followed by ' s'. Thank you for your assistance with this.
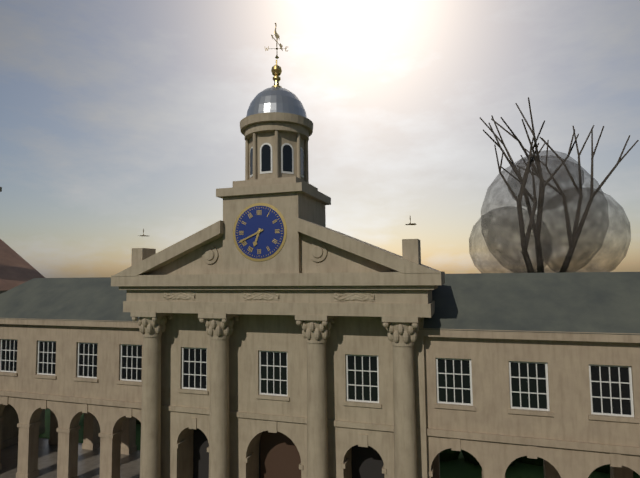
6 h 41 min
